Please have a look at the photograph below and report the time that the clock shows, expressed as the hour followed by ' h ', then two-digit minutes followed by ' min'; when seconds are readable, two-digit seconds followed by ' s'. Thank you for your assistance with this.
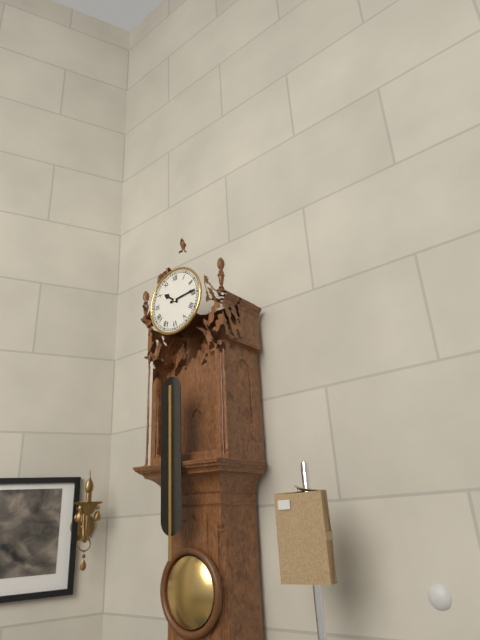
10 h 14 min
